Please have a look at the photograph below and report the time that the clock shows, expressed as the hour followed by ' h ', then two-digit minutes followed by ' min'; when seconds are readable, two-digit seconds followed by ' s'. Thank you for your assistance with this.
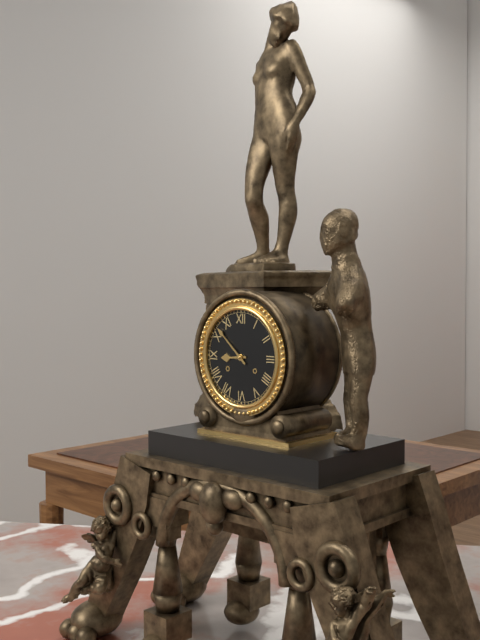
8 h 52 min
